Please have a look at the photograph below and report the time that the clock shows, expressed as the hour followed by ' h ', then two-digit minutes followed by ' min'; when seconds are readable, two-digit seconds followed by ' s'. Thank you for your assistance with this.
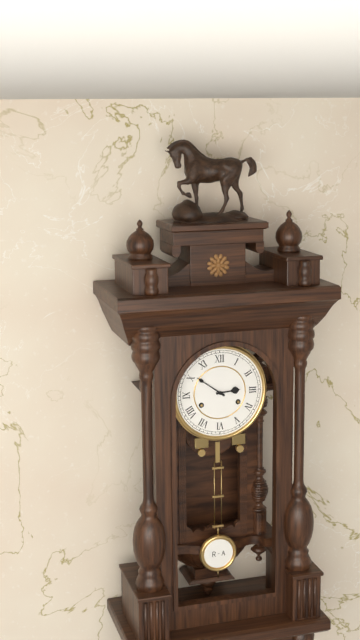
2 h 51 min
